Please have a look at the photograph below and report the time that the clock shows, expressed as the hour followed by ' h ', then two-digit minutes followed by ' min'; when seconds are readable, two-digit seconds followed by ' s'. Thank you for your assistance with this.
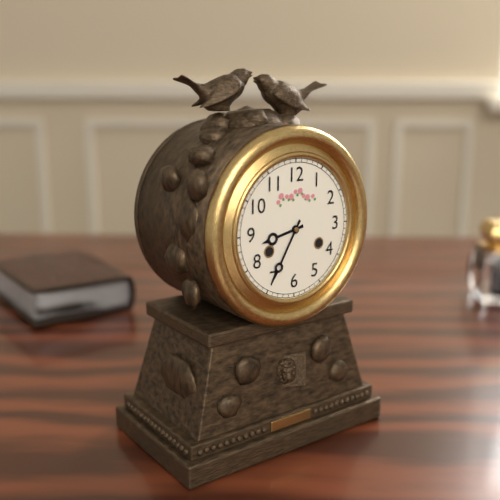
8 h 35 min
